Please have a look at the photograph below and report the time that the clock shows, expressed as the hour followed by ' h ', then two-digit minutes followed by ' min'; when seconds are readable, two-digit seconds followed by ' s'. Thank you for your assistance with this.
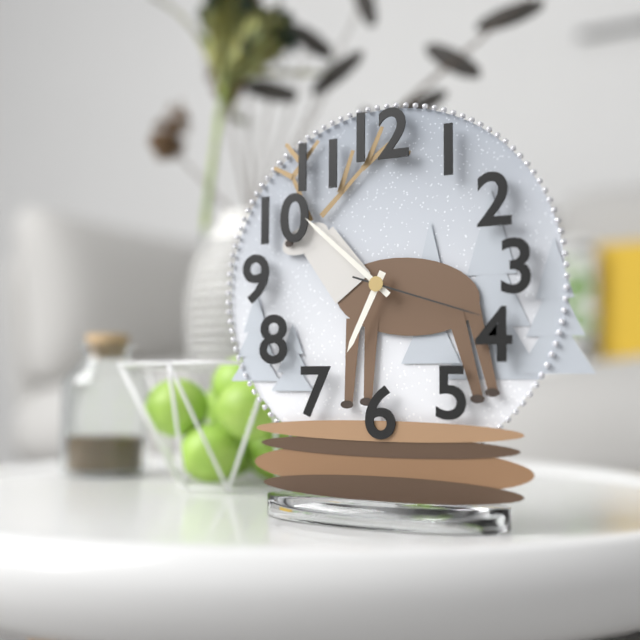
6 h 52 min 18 s
